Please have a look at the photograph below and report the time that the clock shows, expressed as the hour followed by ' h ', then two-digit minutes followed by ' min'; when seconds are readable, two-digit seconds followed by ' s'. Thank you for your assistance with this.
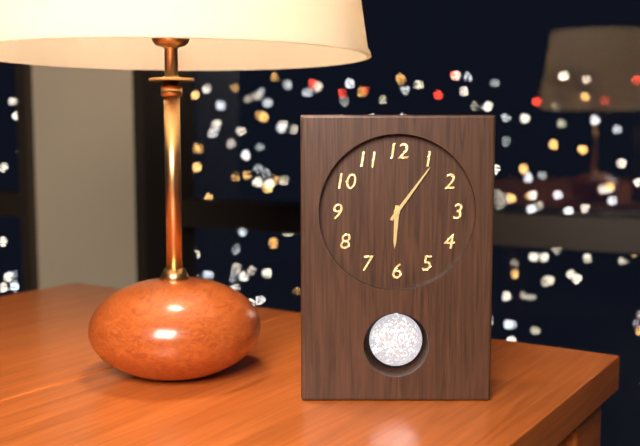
6 h 06 min
